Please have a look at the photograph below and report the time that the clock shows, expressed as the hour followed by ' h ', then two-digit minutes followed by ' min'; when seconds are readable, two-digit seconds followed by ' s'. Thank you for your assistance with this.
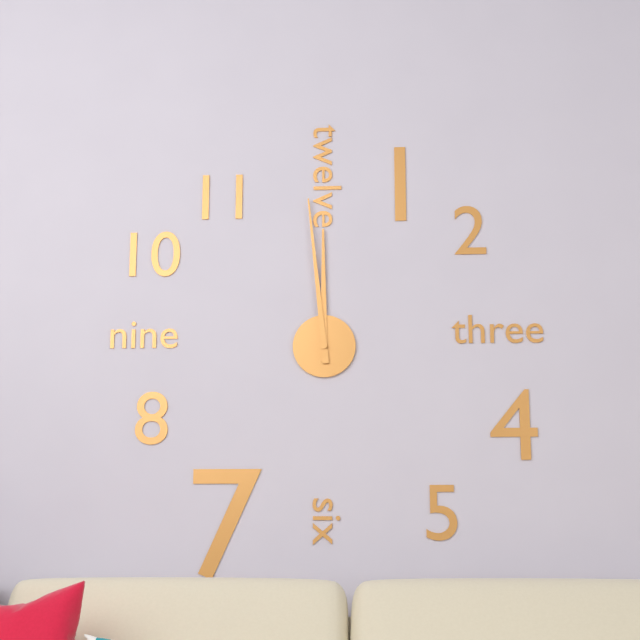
11 h 59 min
